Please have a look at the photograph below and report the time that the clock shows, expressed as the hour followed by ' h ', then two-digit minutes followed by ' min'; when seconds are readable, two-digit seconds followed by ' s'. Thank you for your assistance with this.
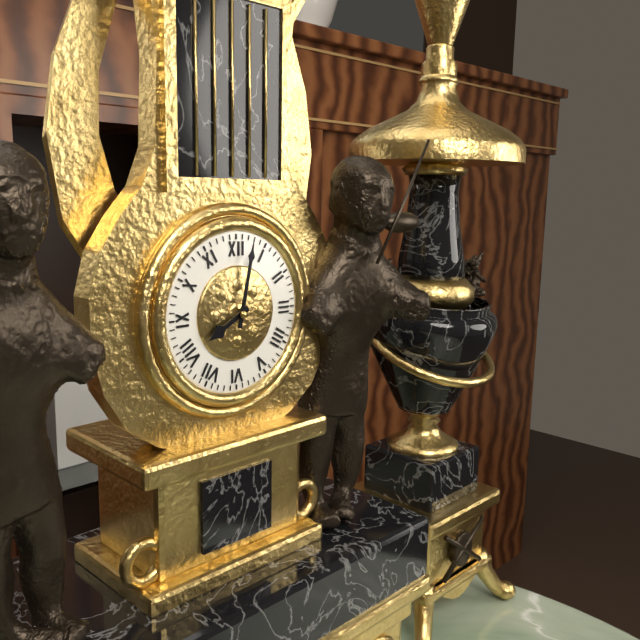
8 h 02 min
